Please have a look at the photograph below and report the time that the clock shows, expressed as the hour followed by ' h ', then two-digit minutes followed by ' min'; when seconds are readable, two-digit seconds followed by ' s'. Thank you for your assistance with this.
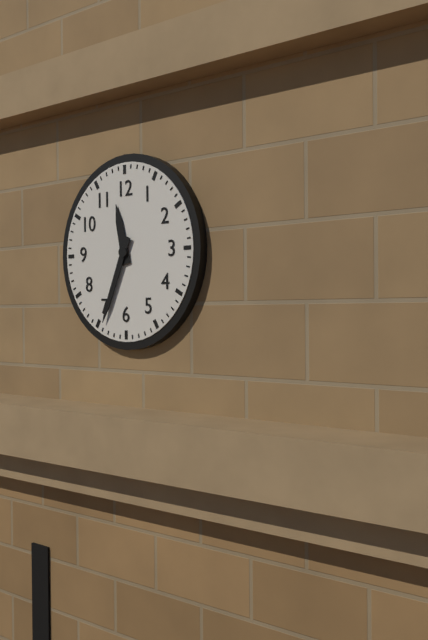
11 h 34 min
